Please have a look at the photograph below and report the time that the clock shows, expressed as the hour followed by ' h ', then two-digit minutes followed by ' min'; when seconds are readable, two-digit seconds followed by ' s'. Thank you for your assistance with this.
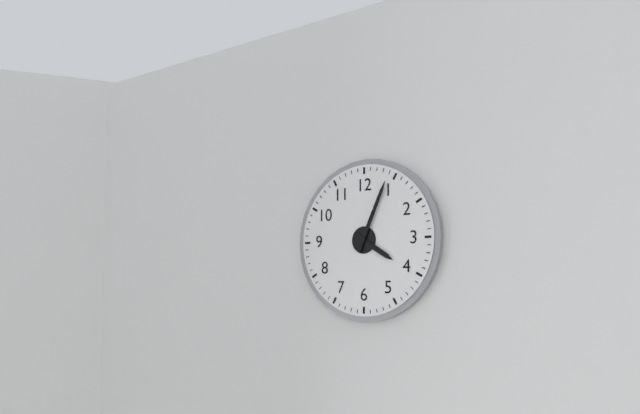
4 h 04 min
